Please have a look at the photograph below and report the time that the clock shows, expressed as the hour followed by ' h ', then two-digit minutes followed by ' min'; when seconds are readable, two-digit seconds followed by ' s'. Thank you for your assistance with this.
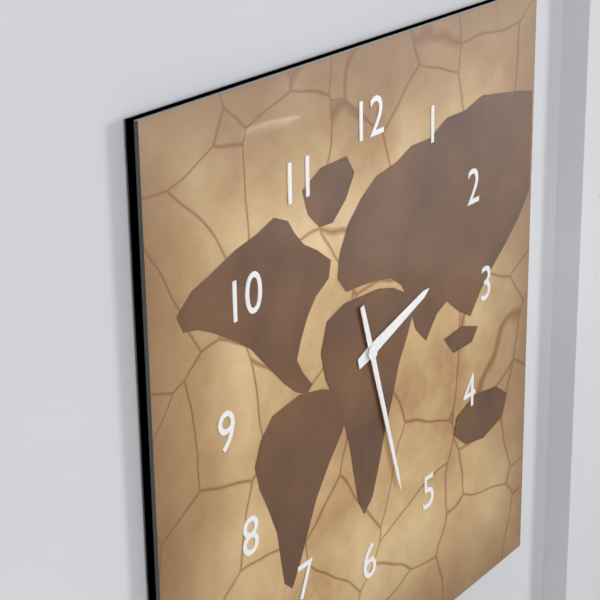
2 h 27 min
